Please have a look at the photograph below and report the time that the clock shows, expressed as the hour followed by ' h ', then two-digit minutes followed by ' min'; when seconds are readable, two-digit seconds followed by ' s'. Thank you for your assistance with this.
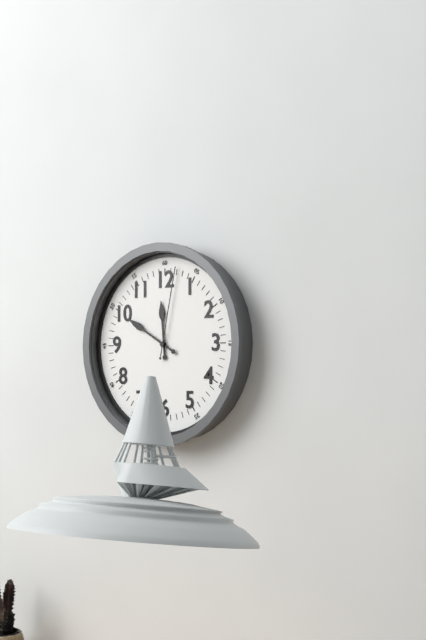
11 h 50 min 02 s
